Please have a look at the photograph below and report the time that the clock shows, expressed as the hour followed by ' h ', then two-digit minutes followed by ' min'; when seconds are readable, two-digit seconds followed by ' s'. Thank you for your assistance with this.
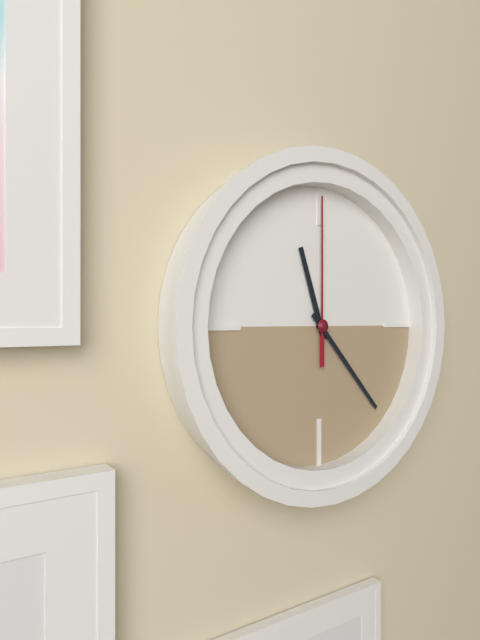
11 h 23 min 00 s
